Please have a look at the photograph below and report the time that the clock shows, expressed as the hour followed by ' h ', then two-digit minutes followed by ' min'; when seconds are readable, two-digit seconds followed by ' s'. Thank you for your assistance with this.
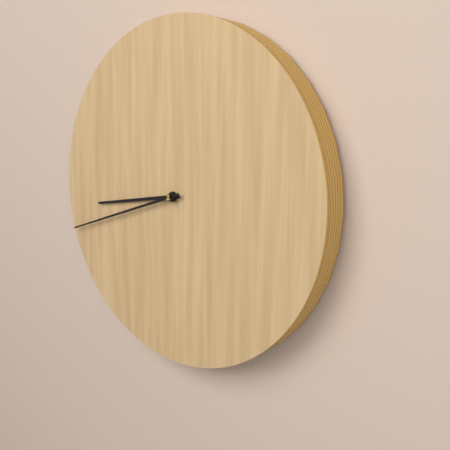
8 h 42 min
